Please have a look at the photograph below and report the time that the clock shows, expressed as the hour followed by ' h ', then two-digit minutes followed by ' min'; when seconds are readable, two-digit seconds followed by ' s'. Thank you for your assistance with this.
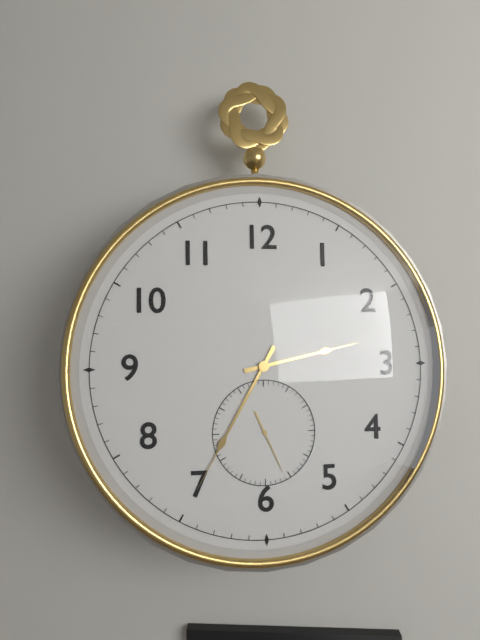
2 h 35 min 26 s
